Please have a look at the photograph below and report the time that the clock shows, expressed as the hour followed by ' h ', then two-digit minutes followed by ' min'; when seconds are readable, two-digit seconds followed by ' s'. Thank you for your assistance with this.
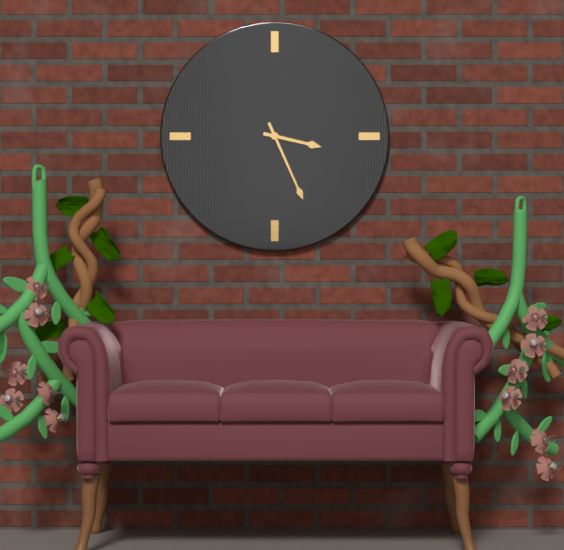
3 h 26 min
